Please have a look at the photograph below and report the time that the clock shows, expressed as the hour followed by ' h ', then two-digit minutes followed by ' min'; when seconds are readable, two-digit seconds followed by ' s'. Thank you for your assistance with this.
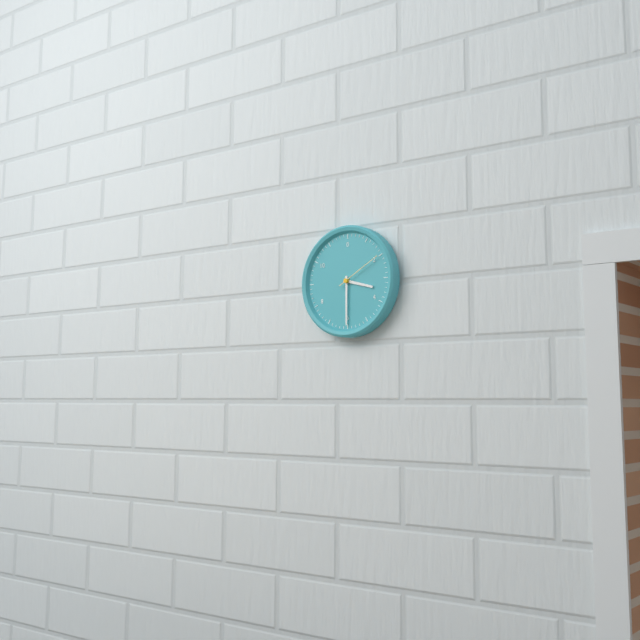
3 h 30 min
